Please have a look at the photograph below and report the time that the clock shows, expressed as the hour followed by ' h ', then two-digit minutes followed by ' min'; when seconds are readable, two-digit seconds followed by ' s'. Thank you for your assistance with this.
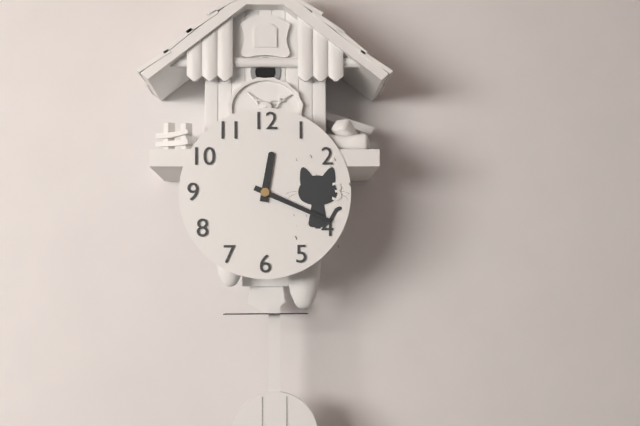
12 h 19 min
